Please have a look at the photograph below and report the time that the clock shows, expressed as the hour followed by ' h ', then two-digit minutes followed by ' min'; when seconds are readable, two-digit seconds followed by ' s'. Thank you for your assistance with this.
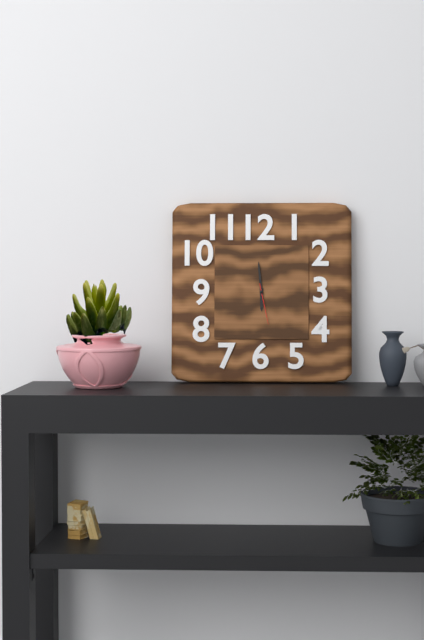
5 h 59 min
